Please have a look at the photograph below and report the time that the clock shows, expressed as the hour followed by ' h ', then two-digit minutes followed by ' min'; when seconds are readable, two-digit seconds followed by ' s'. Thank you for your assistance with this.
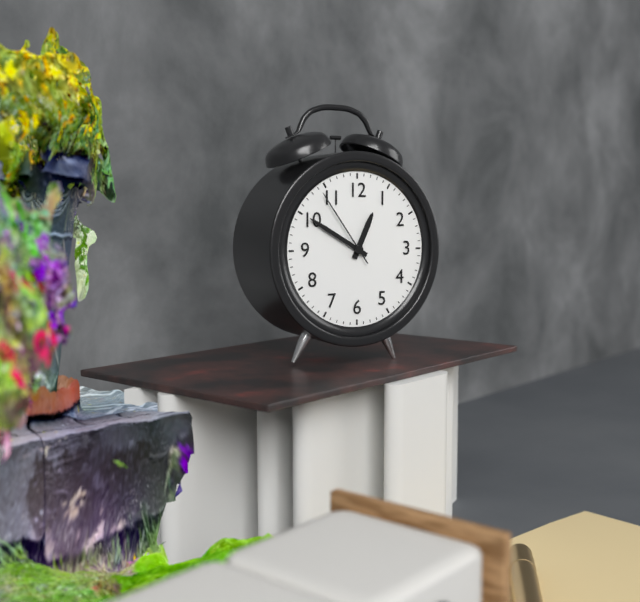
12 h 50 min 54 s
